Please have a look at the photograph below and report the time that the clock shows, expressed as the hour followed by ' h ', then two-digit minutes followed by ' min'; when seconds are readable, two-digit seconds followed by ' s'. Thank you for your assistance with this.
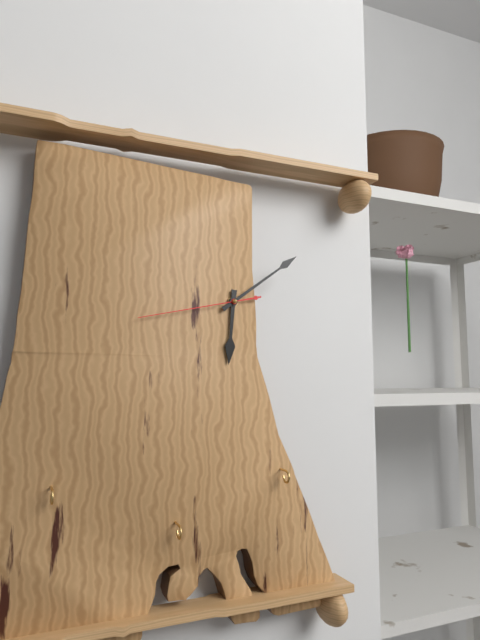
6 h 09 min 43 s
